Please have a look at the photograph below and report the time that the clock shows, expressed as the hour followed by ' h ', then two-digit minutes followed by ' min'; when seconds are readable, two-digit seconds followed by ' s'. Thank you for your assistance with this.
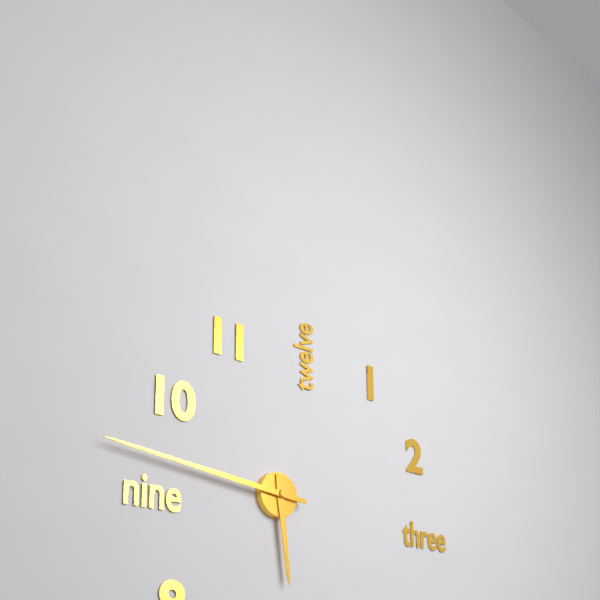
5 h 46 min
